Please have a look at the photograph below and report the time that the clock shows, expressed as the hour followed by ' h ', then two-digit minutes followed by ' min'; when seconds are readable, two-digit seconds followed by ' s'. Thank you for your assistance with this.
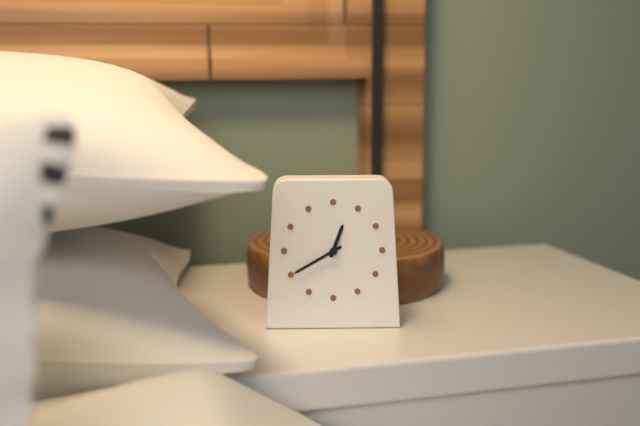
12 h 40 min
